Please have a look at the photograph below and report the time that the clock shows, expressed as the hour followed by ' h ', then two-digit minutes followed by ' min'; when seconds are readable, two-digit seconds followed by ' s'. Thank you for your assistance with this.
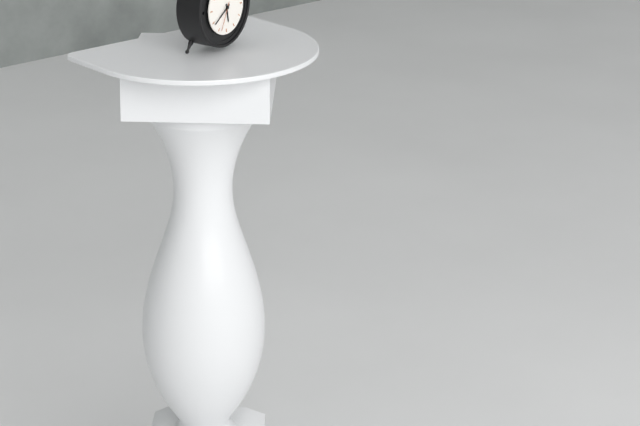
5 h 39 min
